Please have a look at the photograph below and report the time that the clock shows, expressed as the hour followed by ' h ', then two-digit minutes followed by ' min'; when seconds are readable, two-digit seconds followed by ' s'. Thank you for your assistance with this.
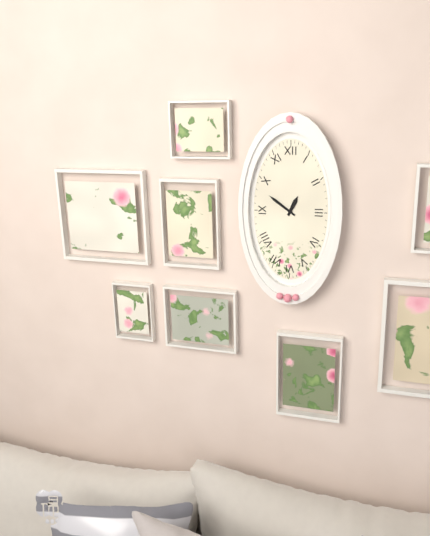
12 h 51 min
